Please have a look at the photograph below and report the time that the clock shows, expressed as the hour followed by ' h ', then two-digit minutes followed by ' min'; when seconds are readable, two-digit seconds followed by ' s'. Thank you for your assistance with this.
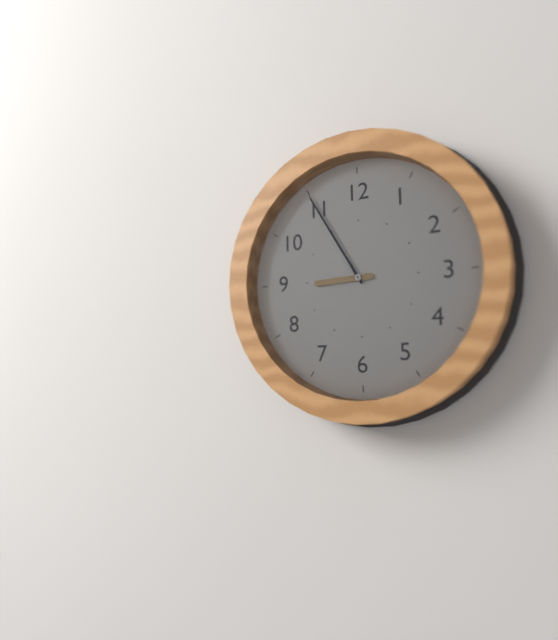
8 h 55 min
